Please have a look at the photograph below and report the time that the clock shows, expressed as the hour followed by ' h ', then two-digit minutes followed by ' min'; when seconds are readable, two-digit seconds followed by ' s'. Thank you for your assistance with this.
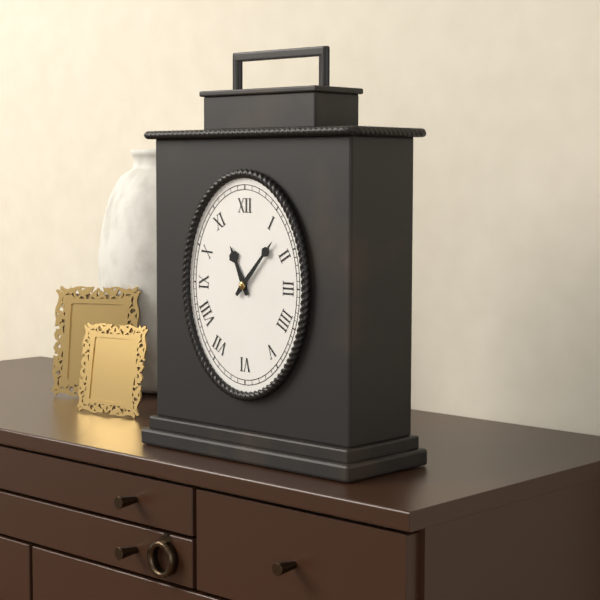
11 h 07 min
